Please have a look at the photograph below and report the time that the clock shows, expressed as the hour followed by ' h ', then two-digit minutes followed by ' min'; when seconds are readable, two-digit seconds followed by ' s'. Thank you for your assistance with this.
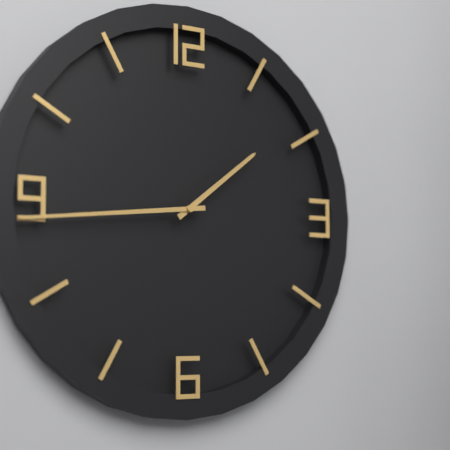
1 h 44 min
